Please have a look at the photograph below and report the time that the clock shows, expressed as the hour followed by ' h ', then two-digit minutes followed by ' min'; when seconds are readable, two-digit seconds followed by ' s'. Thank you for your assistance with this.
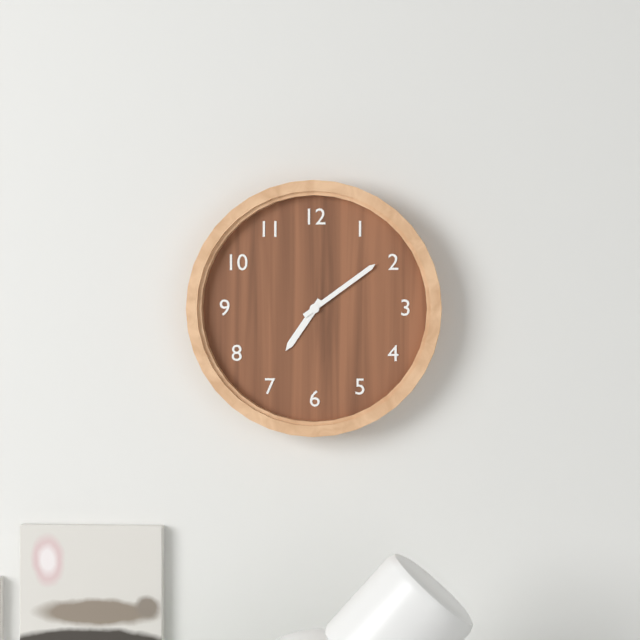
7 h 09 min
